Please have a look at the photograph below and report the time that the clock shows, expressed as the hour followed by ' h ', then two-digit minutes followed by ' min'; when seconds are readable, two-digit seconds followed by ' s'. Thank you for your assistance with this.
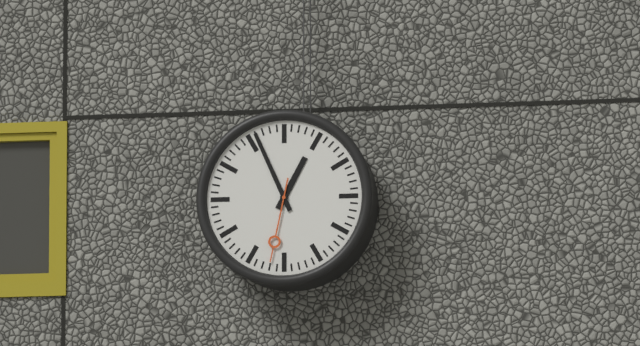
12 h 56 min 32 s
